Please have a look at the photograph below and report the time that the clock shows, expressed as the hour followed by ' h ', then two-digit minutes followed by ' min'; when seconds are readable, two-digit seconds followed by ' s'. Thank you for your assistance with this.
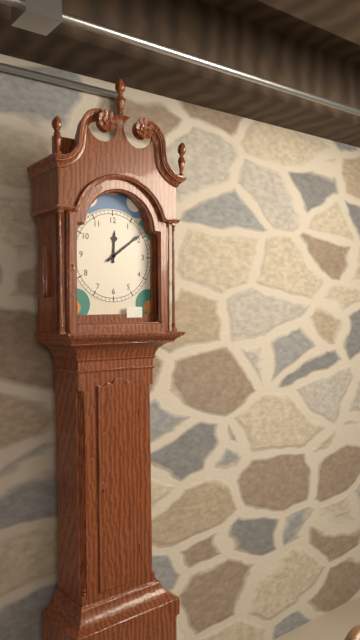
12 h 09 min
